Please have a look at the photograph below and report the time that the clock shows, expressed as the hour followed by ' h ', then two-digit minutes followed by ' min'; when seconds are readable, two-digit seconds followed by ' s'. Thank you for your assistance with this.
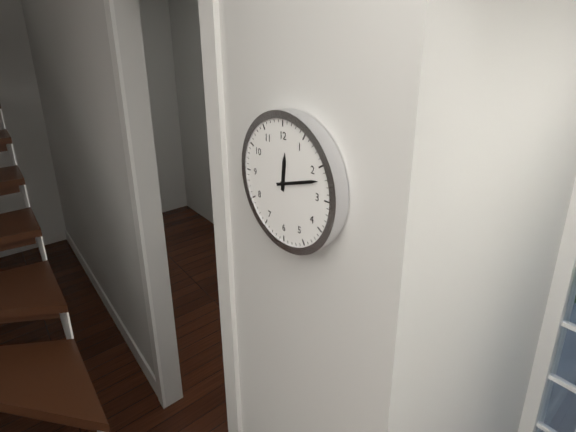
12 h 12 min
